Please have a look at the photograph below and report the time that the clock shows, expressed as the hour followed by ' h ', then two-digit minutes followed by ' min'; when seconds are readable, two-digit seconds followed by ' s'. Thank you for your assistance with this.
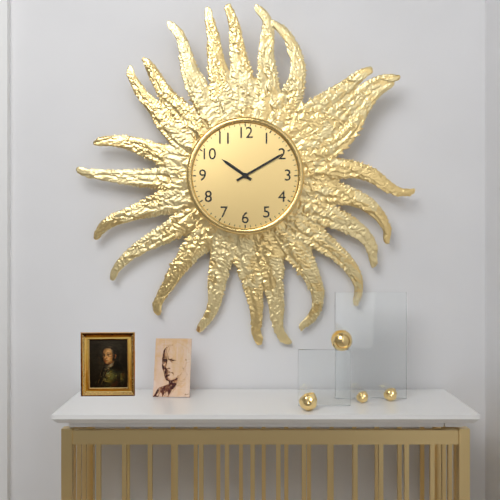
10 h 10 min
